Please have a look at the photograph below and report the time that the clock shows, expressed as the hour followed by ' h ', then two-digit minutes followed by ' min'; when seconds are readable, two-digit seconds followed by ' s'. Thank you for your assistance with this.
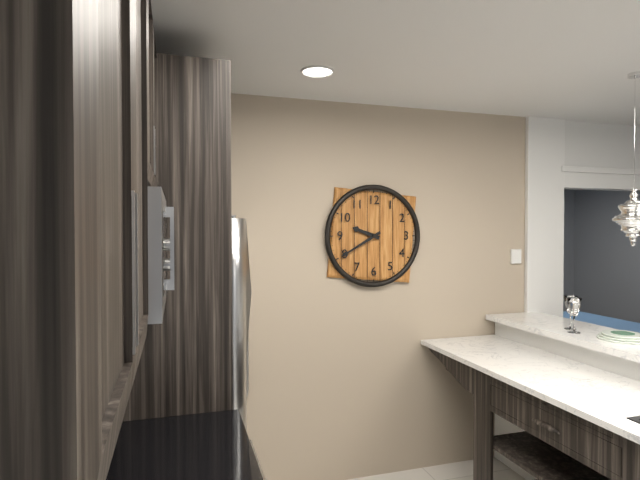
9 h 40 min
